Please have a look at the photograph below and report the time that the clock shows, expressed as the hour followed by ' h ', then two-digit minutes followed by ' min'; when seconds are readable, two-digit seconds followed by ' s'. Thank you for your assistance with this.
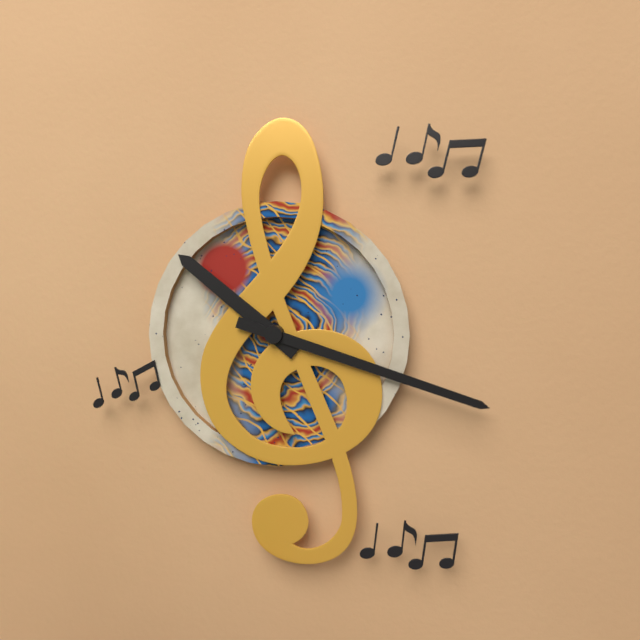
10 h 18 min
